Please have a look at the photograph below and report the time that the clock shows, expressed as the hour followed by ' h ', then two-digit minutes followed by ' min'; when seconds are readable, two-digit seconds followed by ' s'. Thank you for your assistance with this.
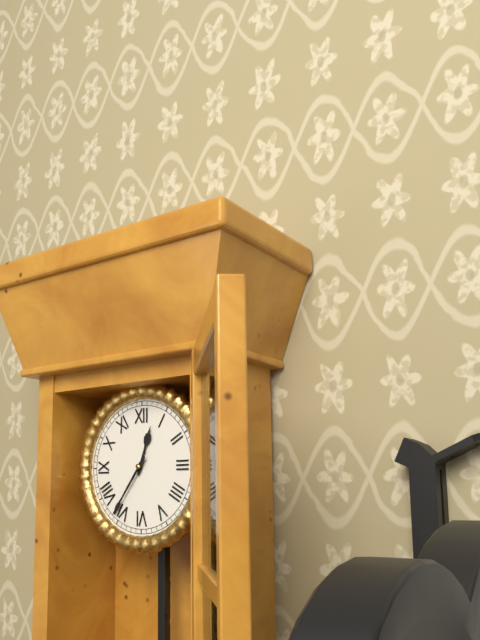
12 h 36 min
